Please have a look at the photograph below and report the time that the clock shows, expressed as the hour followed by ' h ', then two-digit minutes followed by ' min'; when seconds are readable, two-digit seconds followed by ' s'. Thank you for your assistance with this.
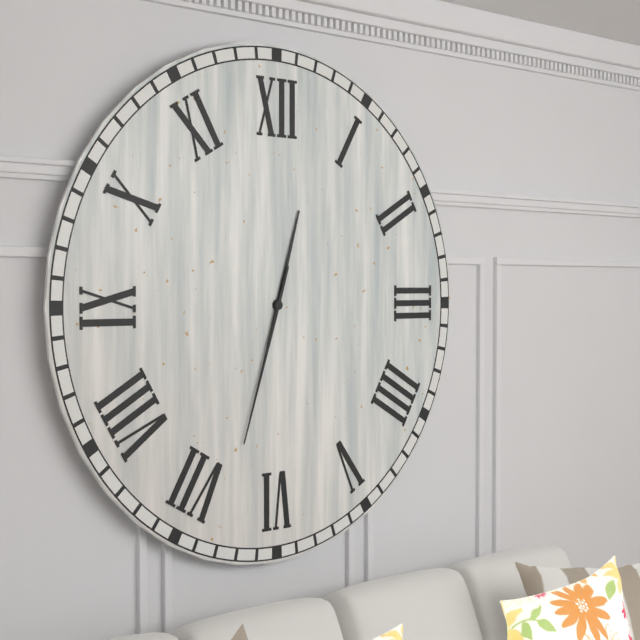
12 h 33 min
